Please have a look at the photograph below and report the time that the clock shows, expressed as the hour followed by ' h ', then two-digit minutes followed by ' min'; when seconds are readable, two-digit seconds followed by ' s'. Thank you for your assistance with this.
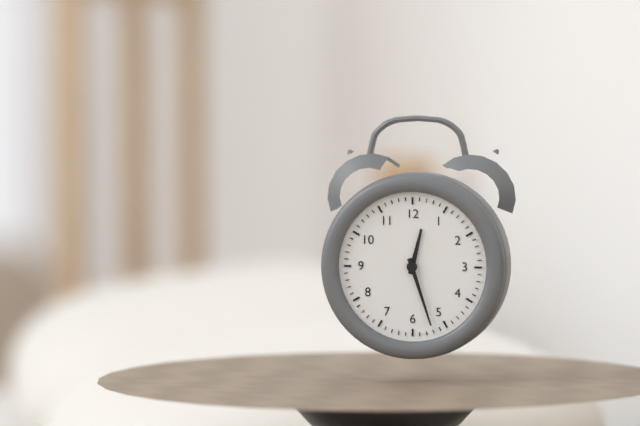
12 h 27 min
